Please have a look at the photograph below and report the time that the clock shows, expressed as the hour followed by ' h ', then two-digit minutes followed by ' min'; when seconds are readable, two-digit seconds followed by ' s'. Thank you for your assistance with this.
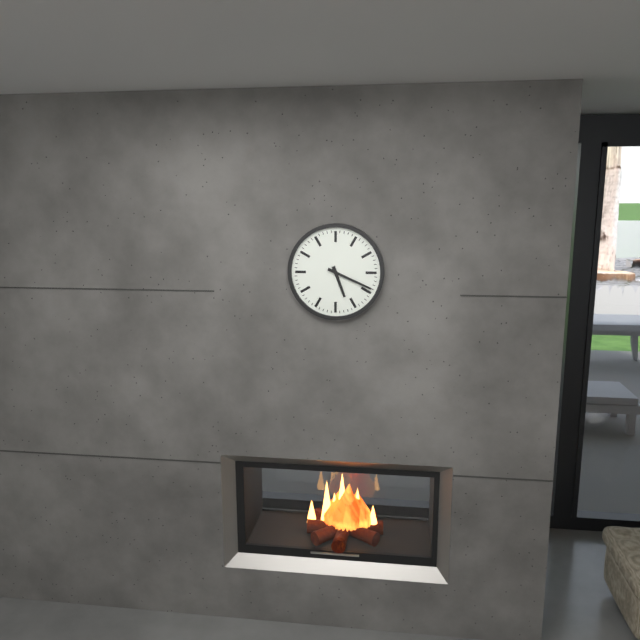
5 h 19 min
